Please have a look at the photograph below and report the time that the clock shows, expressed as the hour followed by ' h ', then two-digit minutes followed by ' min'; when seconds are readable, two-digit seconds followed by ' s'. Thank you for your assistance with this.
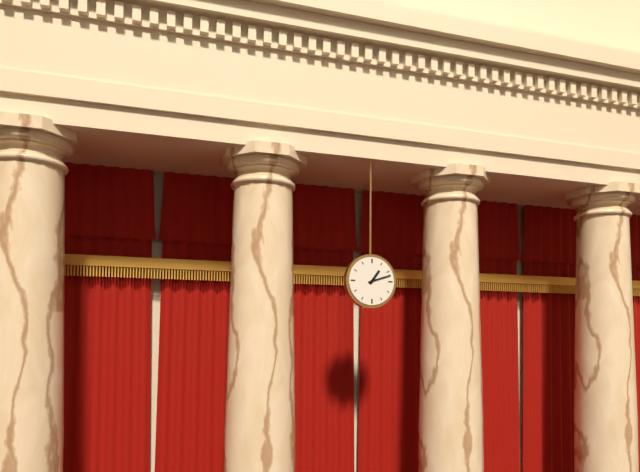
1 h 12 min
